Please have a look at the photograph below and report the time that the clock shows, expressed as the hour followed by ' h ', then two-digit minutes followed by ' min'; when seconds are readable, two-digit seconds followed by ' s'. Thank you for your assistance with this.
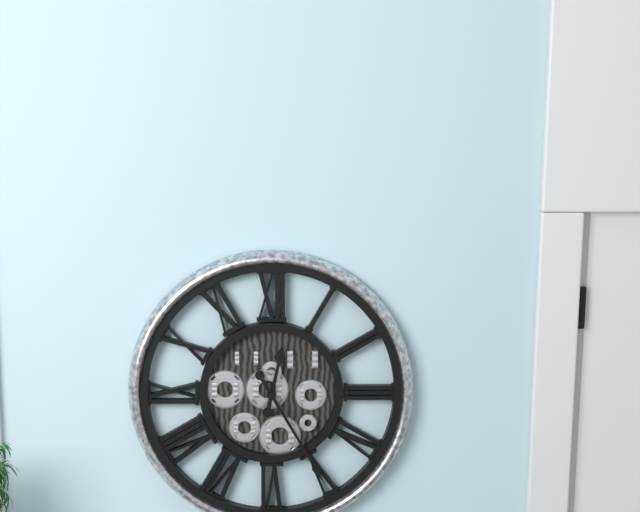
12 h 25 min
